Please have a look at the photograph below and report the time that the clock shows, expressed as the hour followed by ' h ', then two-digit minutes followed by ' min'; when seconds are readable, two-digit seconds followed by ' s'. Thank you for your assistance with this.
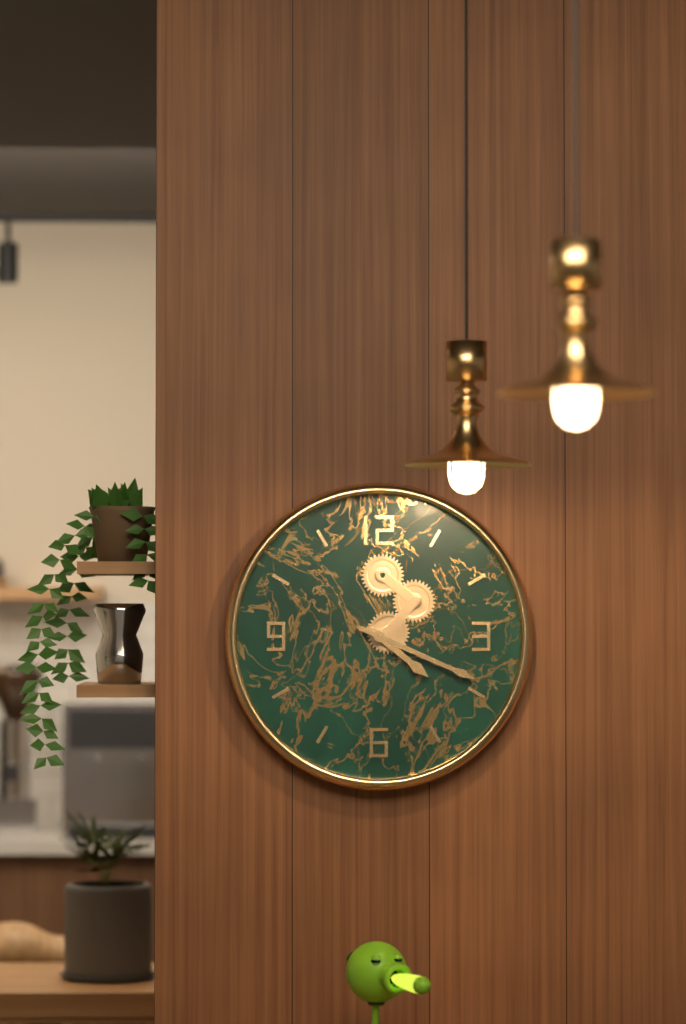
4 h 19 min
